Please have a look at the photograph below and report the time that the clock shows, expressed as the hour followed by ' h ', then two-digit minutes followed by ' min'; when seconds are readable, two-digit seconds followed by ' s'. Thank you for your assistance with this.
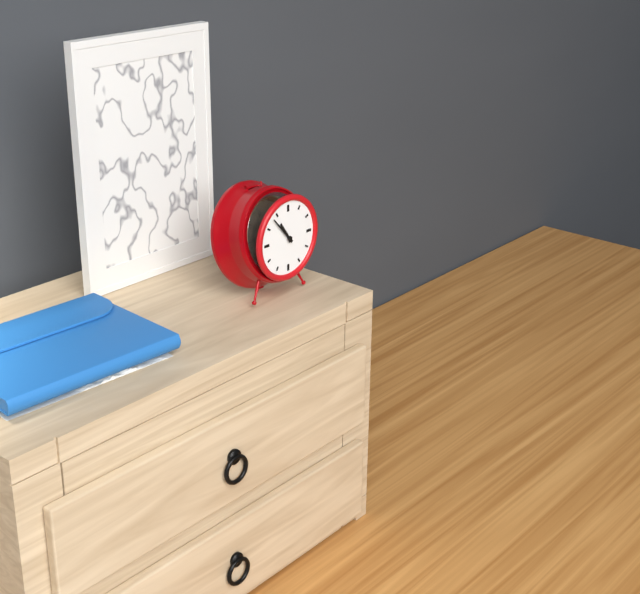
10 h 53 min
